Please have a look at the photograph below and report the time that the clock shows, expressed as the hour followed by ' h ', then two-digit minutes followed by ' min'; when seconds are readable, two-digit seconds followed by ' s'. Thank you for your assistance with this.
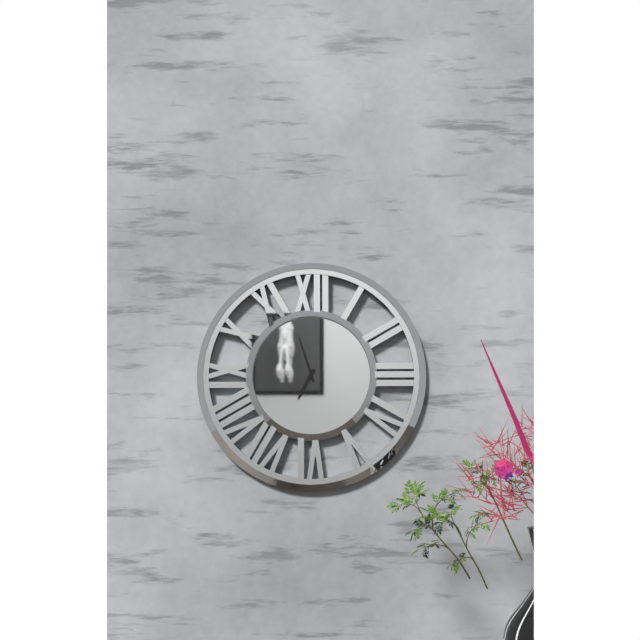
6 h 57 min
